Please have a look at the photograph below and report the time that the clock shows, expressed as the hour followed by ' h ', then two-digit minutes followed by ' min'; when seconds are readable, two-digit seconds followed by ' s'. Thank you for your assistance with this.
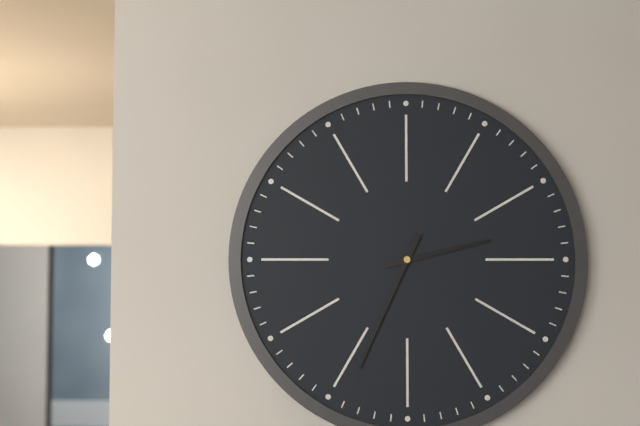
2 h 34 min
